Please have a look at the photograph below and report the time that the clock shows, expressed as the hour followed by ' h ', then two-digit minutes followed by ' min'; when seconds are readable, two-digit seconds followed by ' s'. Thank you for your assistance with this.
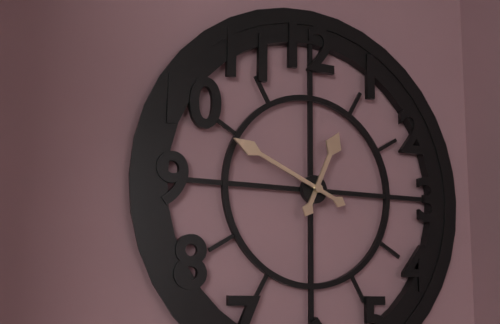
12 h 49 min
